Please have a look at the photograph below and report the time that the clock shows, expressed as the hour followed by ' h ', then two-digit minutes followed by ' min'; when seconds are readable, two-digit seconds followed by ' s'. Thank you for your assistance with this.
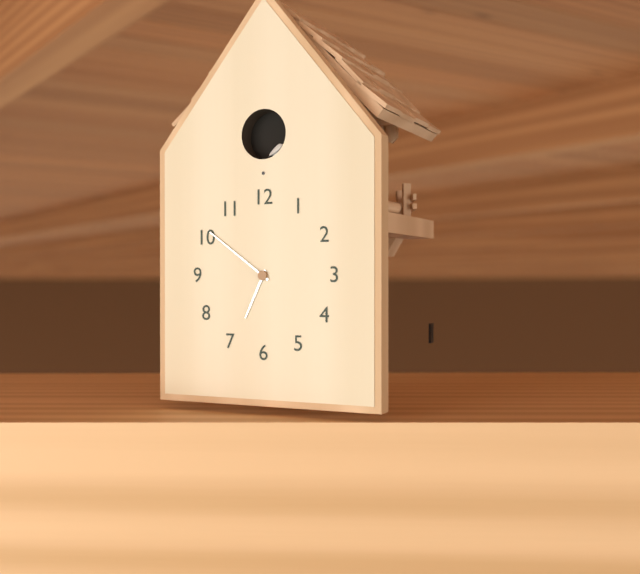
6 h 51 min
